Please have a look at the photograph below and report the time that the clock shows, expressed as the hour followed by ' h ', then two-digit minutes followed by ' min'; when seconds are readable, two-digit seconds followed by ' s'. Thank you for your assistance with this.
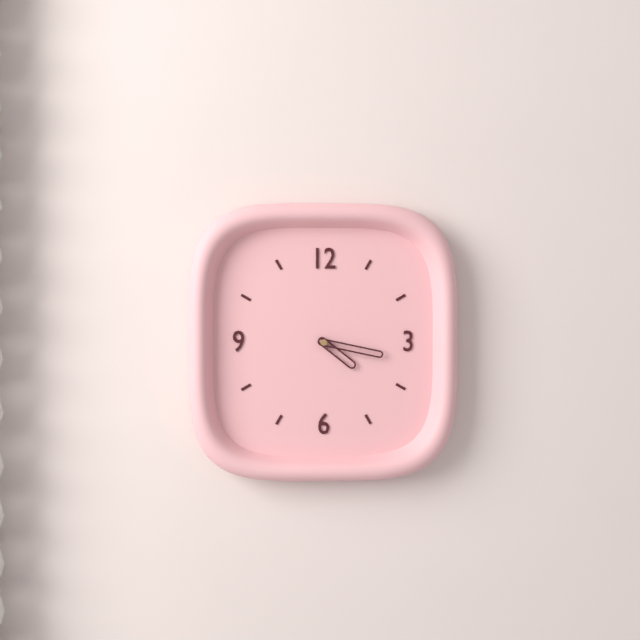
4 h 17 min
